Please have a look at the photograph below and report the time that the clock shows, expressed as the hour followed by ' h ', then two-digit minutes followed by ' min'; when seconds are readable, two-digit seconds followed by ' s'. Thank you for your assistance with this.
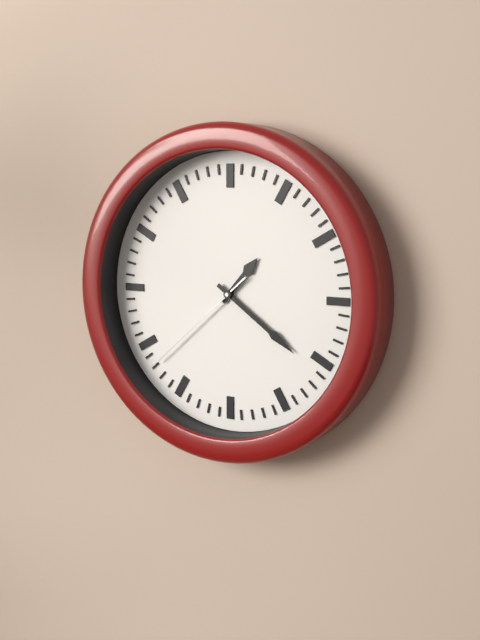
1 h 21 min 38 s
